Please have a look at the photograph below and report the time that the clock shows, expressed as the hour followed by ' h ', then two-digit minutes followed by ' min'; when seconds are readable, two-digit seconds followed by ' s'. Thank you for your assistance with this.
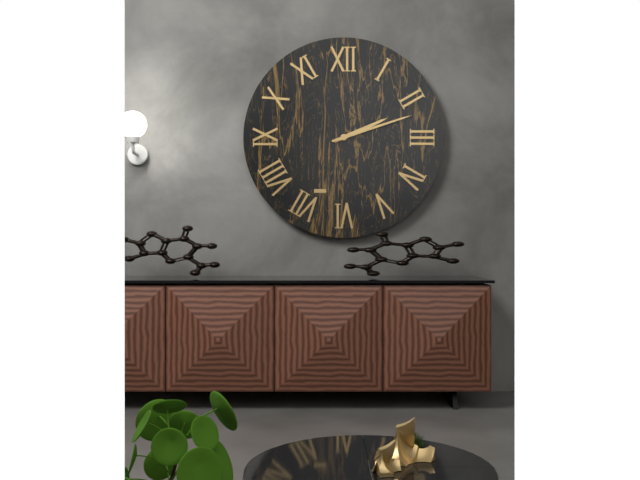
2 h 12 min
